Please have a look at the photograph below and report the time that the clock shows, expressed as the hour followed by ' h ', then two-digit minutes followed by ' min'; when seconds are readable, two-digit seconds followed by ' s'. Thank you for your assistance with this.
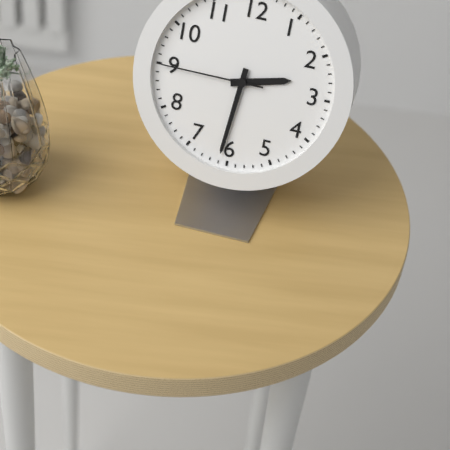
2 h 31 min 45 s
